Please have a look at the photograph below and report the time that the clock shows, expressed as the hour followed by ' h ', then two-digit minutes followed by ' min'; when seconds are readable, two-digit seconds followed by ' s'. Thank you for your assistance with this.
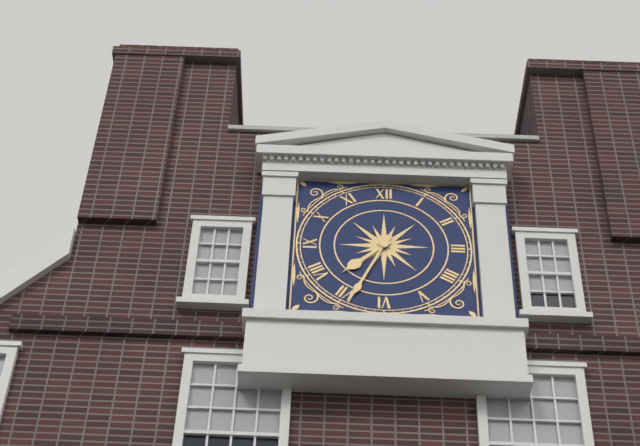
7 h 34 min
